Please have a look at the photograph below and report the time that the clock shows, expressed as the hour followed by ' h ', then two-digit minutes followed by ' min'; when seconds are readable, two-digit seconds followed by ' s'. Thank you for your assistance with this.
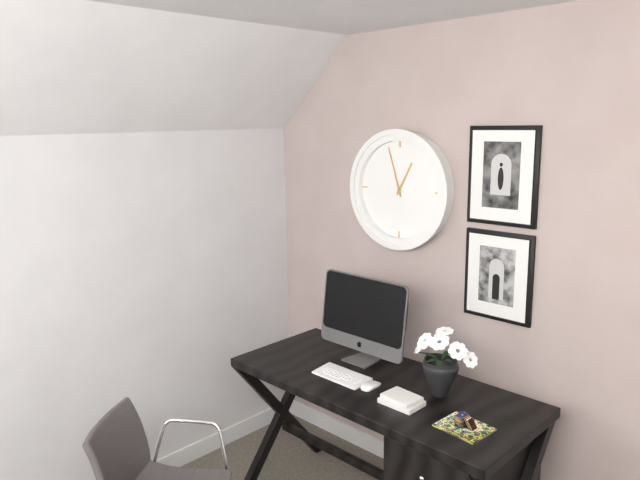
12 h 57 min
